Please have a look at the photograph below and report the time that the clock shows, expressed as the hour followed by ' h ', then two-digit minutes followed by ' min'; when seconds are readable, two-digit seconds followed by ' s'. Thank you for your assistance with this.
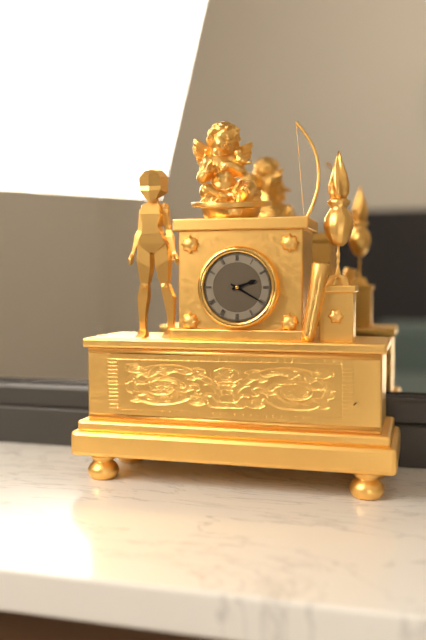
2 h 20 min
